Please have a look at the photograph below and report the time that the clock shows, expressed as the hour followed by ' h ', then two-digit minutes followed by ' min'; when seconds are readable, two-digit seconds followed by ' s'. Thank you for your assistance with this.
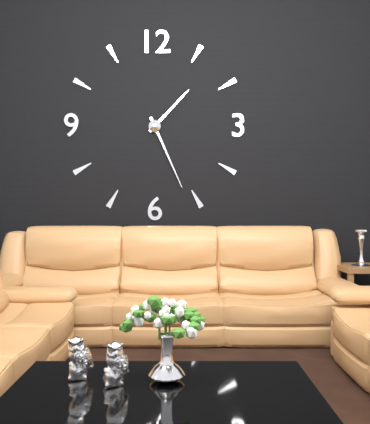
1 h 26 min
